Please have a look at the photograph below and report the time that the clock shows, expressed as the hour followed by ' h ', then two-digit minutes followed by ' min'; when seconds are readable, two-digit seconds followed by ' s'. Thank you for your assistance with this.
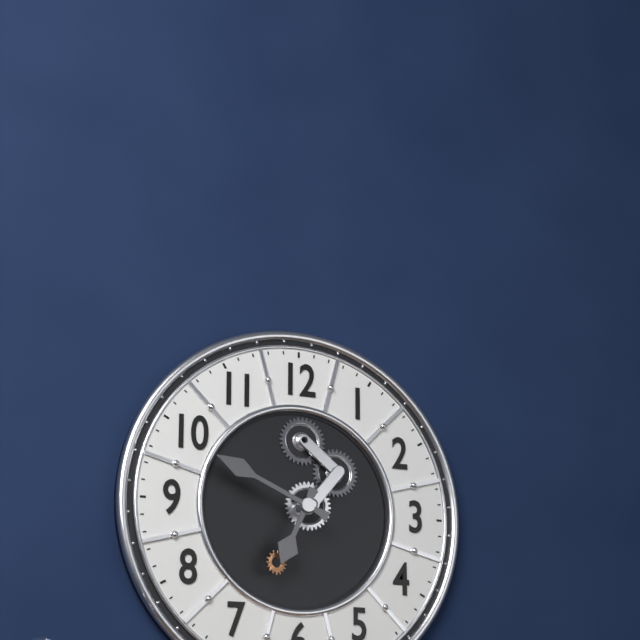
6 h 49 min
